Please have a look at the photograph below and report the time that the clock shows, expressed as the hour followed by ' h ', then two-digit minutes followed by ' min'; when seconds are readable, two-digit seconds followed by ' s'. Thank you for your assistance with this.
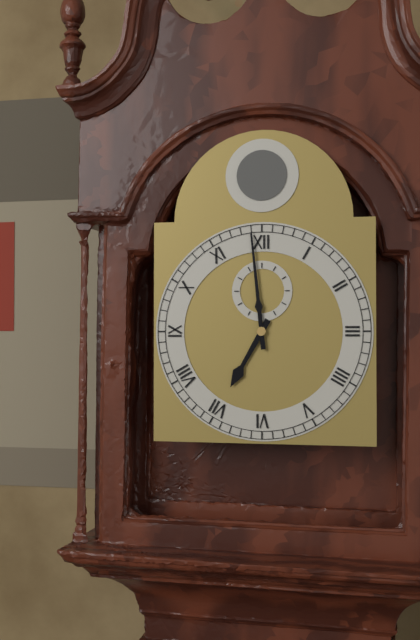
6 h 59 min
